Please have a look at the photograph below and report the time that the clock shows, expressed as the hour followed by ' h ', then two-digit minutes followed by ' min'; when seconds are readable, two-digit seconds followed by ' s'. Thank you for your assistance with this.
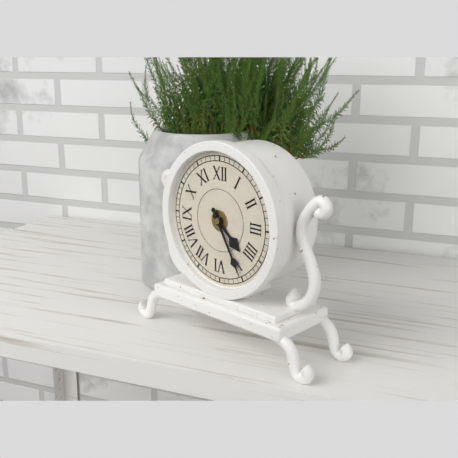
4 h 25 min
